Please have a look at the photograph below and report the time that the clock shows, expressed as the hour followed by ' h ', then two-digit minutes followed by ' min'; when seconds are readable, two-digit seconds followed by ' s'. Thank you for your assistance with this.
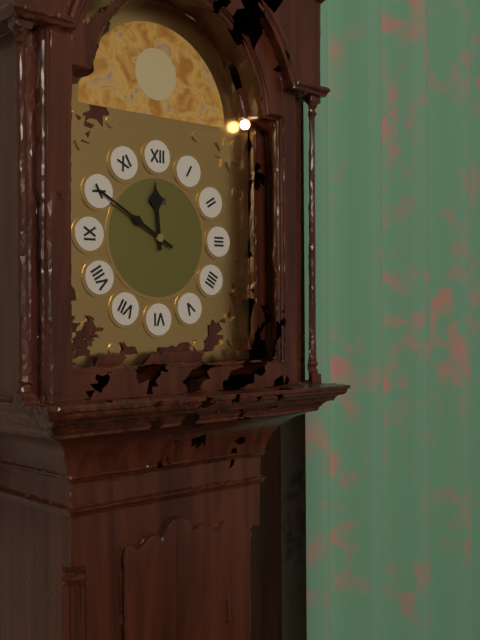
11 h 50 min
